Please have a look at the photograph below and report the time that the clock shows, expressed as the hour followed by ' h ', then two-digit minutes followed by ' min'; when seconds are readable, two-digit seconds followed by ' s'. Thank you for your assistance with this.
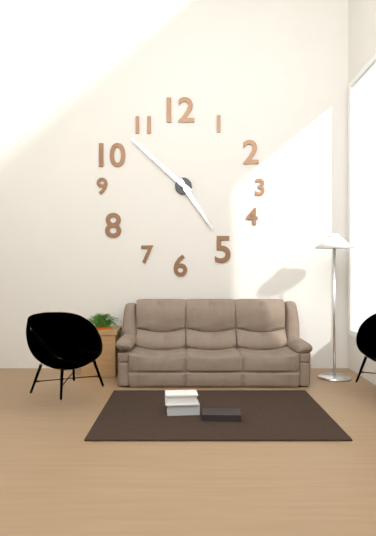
4 h 52 min
